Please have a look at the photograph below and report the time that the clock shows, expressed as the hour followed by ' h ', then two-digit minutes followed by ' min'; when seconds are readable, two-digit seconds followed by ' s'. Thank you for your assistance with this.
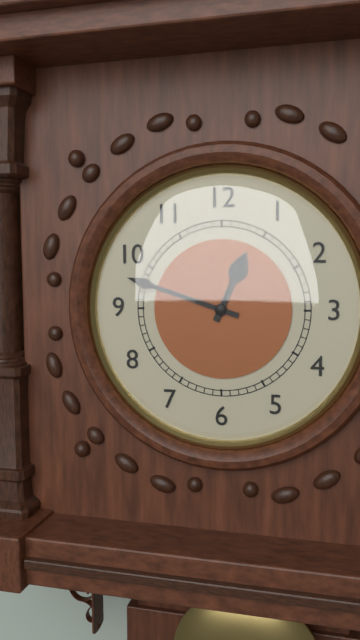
12 h 48 min
